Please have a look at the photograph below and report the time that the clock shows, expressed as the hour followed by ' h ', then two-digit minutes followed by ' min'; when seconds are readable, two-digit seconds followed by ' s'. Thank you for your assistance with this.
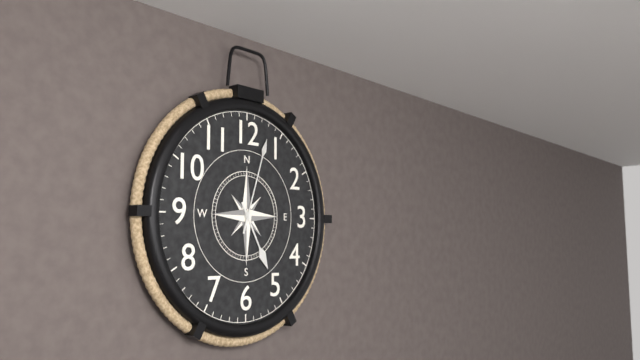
5 h 03 min
